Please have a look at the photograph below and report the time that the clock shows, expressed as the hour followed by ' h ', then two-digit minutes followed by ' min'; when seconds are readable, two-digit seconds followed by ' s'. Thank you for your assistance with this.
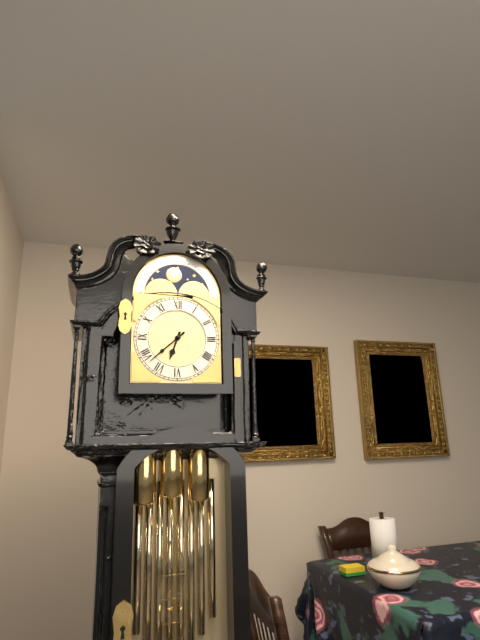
6 h 38 min
